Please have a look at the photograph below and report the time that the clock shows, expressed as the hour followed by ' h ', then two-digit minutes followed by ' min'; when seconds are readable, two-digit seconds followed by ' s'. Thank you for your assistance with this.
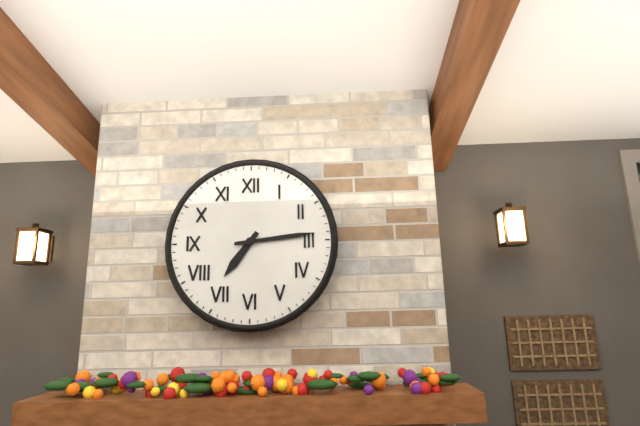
7 h 14 min
